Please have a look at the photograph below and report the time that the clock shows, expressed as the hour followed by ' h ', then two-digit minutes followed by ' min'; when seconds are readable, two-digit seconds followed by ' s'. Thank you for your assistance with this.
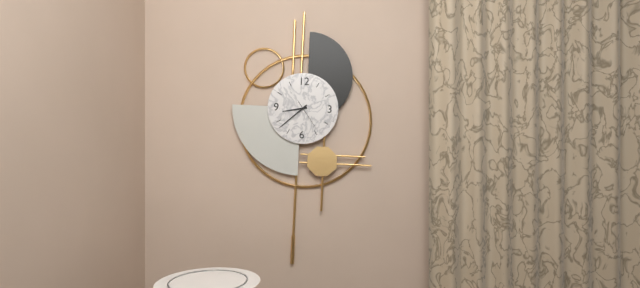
8 h 38 min
